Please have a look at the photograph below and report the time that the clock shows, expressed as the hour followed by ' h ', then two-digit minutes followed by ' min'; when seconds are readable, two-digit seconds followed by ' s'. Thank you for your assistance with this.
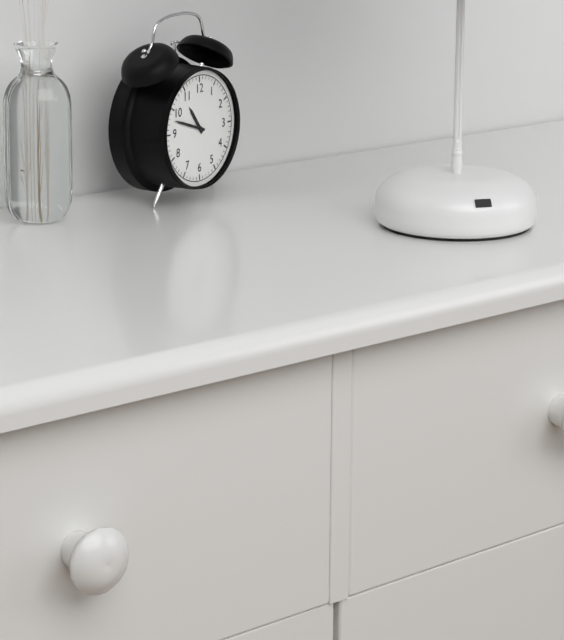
10 h 48 min
